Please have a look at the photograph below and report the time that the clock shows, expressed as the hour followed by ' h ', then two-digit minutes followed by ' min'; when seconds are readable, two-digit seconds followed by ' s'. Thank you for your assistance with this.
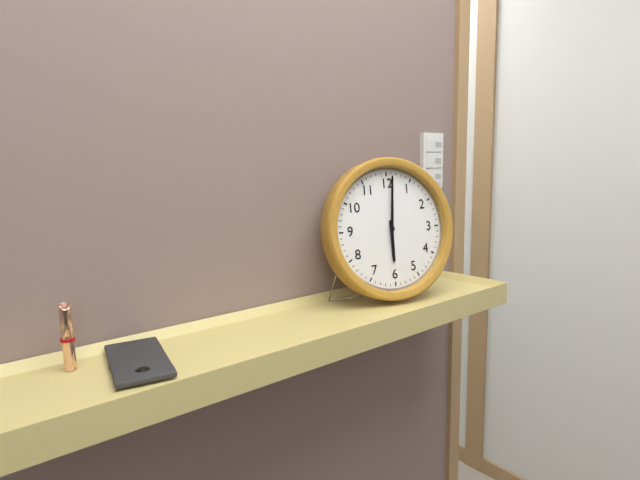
6 h 01 min
